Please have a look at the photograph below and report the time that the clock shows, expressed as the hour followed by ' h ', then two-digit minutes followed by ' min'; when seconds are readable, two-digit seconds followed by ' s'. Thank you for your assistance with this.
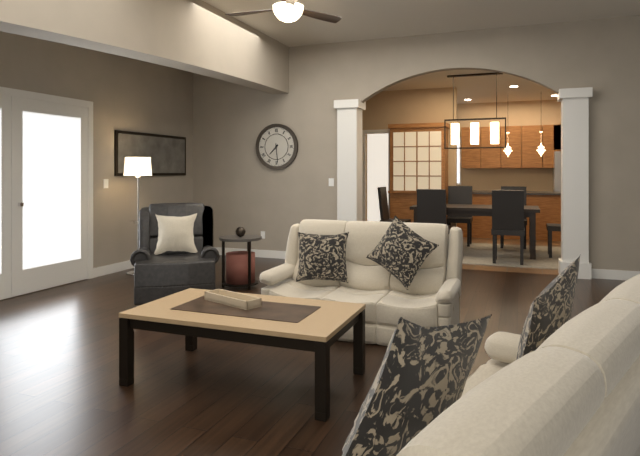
7 h 29 min
